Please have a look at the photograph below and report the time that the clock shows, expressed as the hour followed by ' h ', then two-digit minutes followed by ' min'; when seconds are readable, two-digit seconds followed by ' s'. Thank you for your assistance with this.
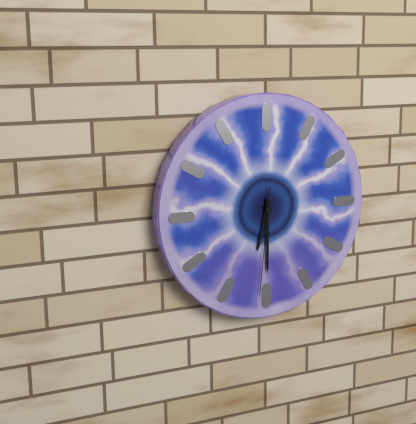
6 h 30 min 31 s
